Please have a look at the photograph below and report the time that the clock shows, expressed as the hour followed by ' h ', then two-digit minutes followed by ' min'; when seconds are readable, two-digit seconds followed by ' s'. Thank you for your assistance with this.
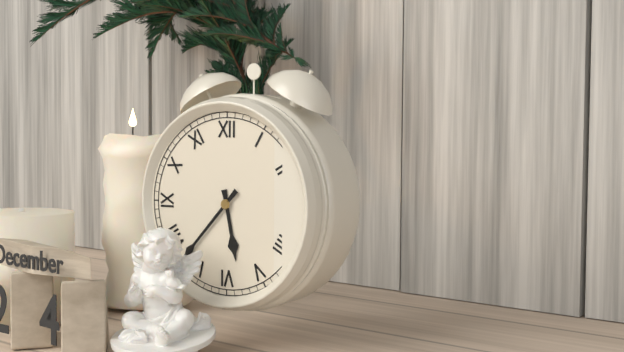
5 h 37 min
